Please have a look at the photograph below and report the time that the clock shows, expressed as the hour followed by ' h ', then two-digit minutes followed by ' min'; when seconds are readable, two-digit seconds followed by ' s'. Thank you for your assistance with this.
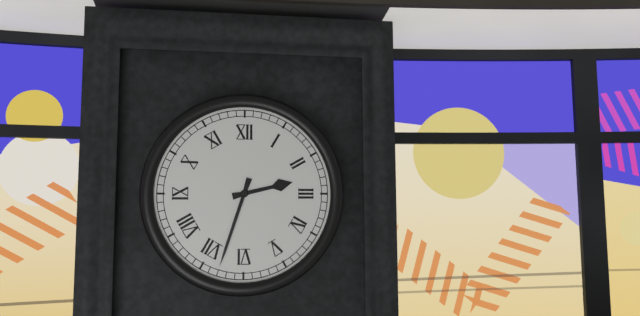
2 h 33 min
